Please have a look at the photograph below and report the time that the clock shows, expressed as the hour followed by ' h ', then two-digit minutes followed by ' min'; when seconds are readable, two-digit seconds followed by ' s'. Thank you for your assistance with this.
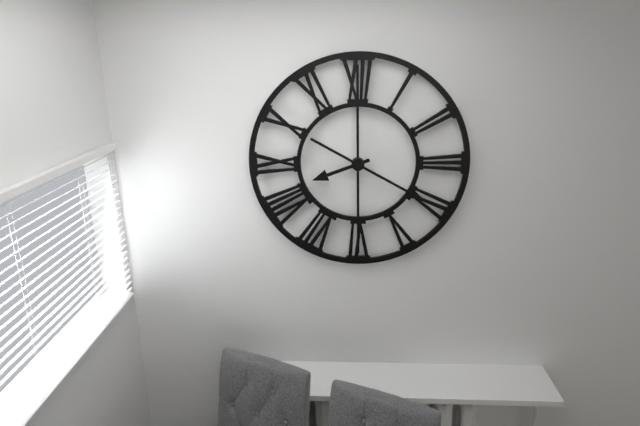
8 h 20 min
